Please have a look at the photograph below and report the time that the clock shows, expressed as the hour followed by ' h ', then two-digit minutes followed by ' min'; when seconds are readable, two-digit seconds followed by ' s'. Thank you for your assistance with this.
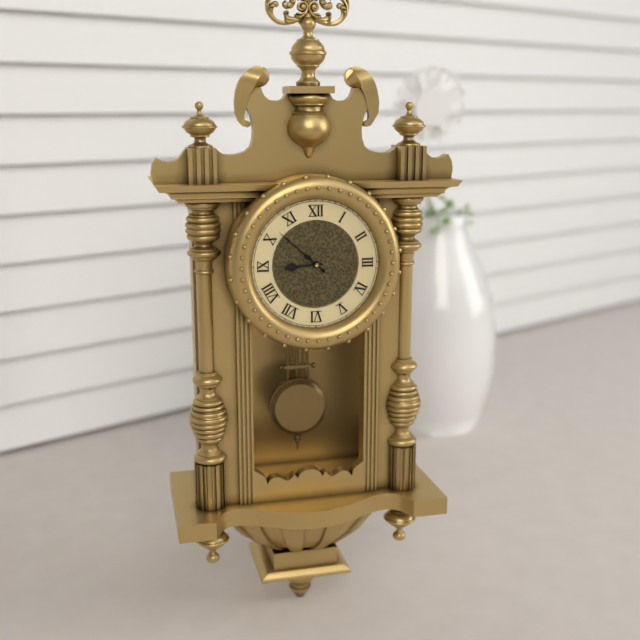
8 h 52 min
